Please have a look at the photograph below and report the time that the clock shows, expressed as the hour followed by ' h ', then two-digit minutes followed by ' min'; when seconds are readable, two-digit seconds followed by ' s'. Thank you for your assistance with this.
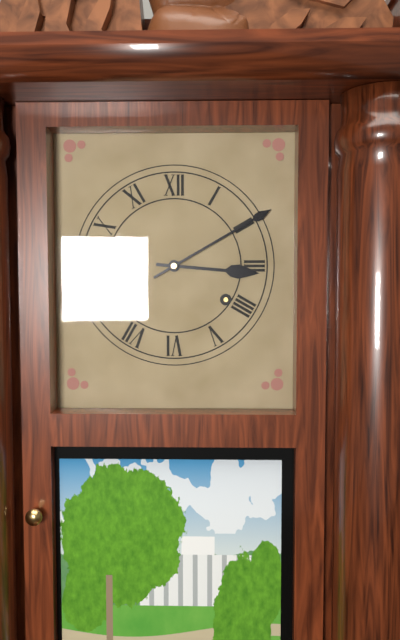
3 h 10 min
